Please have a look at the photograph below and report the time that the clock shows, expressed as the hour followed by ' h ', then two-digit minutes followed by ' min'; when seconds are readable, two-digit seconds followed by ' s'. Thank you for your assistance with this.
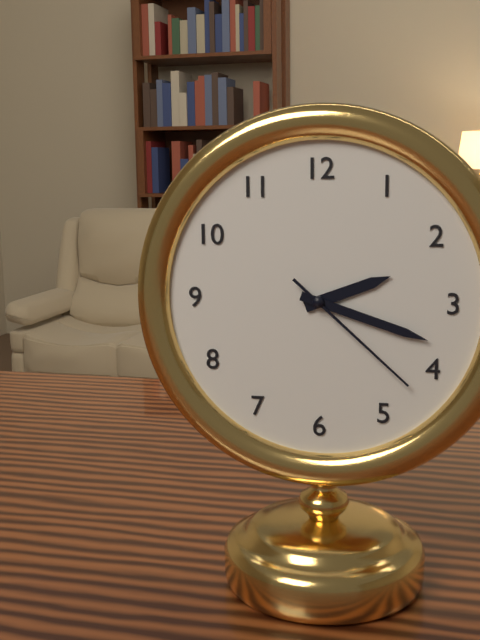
2 h 18 min 22 s
